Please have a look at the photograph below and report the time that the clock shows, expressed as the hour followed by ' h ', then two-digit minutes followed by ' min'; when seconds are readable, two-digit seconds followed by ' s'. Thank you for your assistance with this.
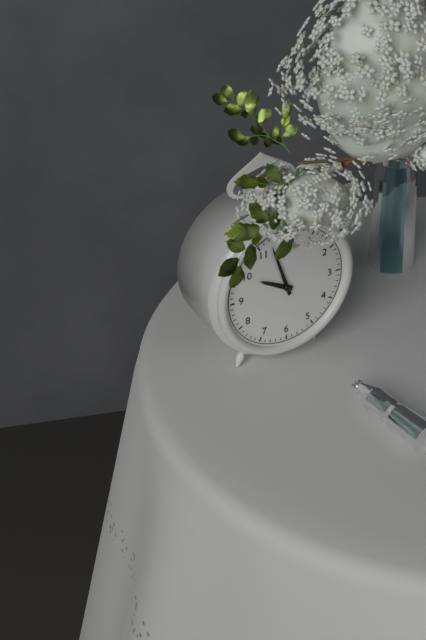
9 h 57 min
